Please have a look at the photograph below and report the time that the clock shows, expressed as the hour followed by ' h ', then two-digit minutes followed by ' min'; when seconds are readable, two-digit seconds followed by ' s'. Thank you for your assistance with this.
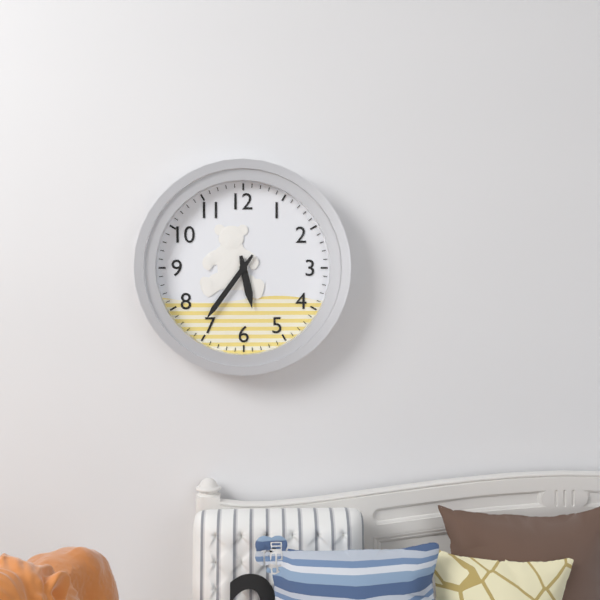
5 h 36 min
